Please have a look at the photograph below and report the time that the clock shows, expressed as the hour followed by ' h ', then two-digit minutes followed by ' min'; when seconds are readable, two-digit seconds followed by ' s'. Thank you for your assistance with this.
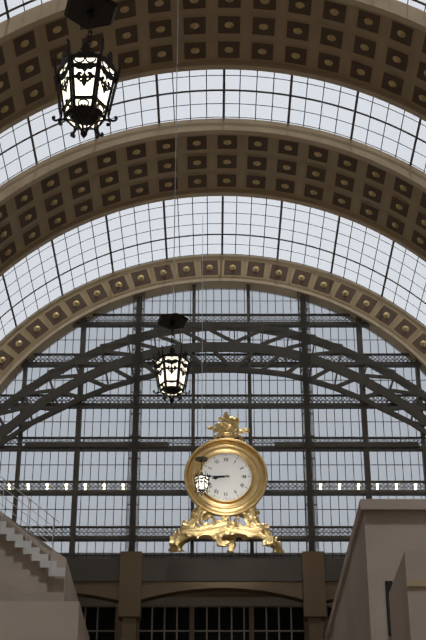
8 h 45 min
